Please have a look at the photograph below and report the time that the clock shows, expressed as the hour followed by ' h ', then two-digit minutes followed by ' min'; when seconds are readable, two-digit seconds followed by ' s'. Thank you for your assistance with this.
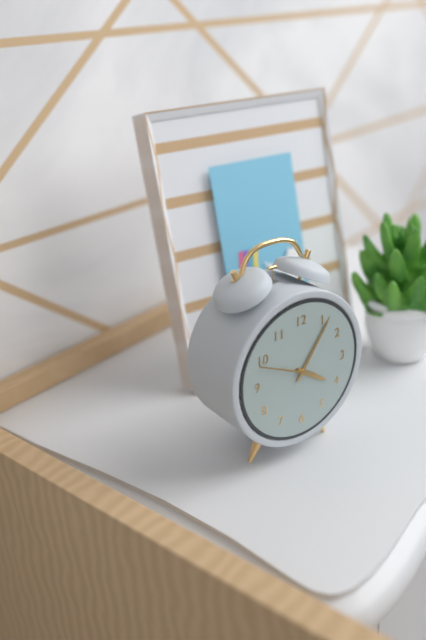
4 h 06 min 49 s
